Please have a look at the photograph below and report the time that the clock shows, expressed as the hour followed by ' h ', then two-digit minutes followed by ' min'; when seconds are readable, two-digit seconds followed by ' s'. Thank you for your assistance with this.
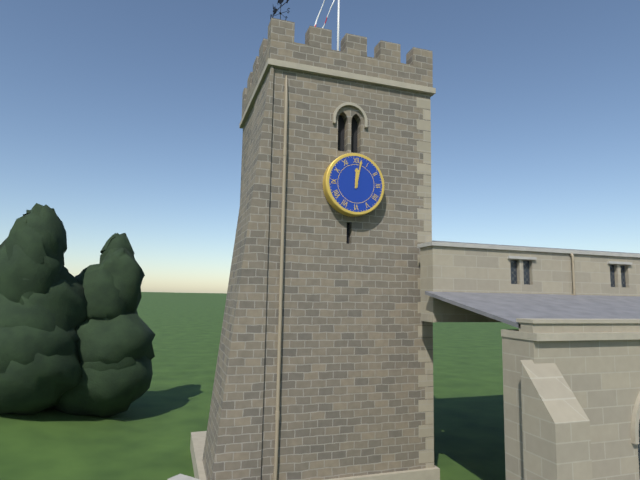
12 h 02 min
